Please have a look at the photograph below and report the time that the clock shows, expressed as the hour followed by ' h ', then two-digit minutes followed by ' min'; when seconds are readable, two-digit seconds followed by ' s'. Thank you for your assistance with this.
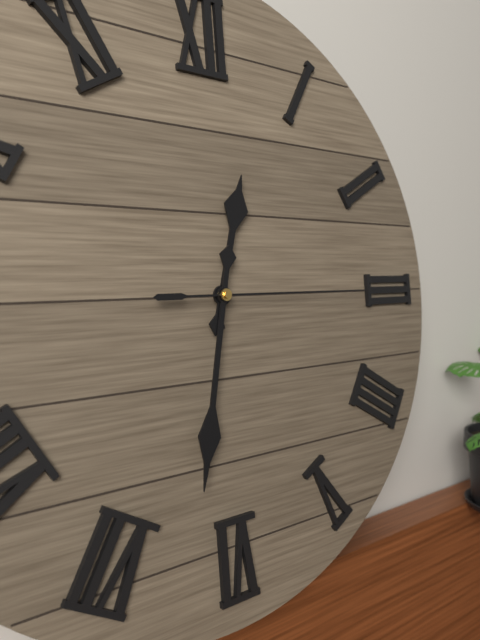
12 h 32 min 15 s
